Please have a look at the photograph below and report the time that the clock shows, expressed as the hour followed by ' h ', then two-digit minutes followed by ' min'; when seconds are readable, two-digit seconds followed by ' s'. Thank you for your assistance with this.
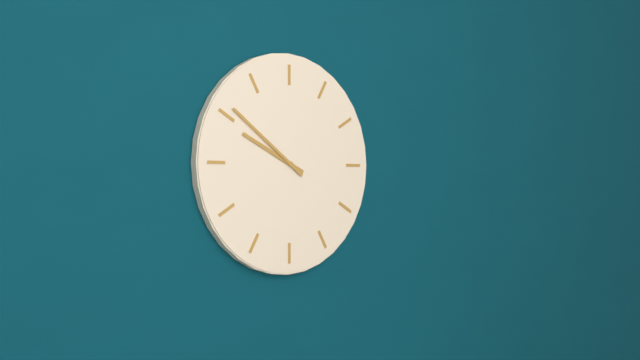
9 h 51 min
